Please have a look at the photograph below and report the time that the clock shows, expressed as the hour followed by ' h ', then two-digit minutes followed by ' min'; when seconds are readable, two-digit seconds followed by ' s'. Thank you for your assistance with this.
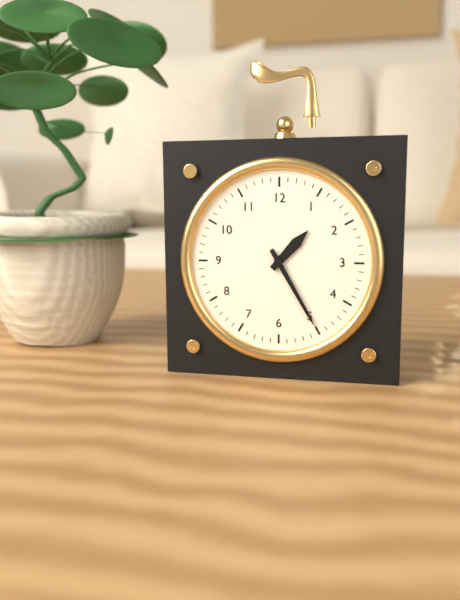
1 h 25 min
